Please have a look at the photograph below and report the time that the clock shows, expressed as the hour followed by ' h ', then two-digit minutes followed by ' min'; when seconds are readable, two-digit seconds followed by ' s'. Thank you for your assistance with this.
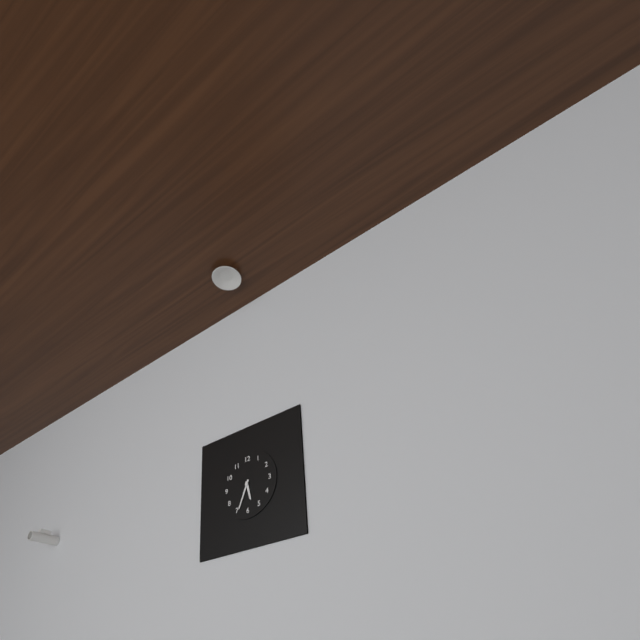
5 h 34 min
